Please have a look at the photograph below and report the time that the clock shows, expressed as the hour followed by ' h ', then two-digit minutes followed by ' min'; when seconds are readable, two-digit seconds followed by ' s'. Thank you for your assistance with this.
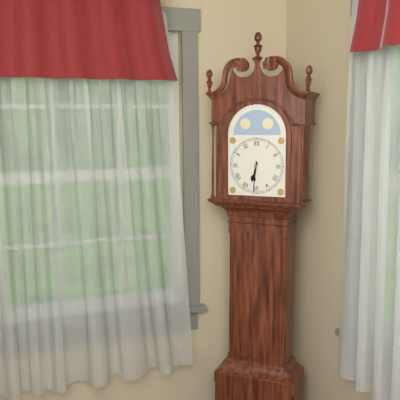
6 h 31 min
